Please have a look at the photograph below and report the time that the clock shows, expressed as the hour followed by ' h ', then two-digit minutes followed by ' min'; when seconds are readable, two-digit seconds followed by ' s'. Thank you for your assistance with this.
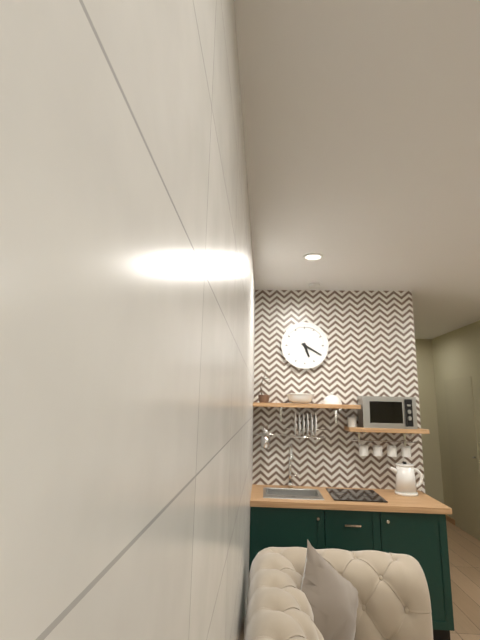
5 h 20 min
